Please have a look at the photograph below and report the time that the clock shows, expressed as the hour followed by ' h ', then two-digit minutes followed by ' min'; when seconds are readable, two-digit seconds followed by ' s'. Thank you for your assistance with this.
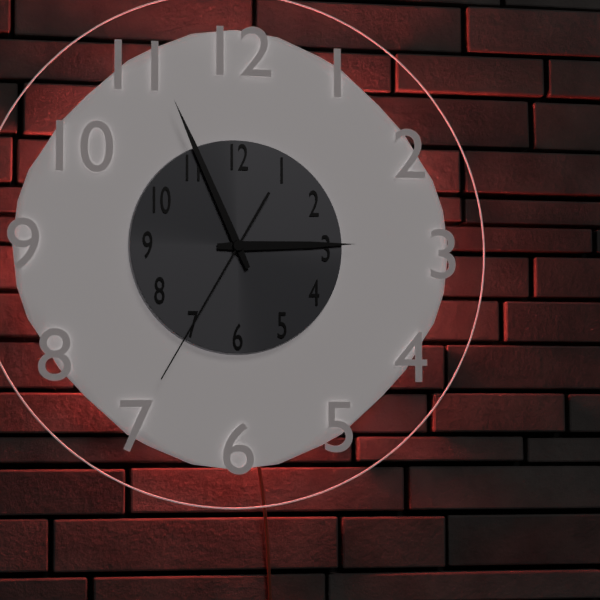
2 h 56 min 35 s
